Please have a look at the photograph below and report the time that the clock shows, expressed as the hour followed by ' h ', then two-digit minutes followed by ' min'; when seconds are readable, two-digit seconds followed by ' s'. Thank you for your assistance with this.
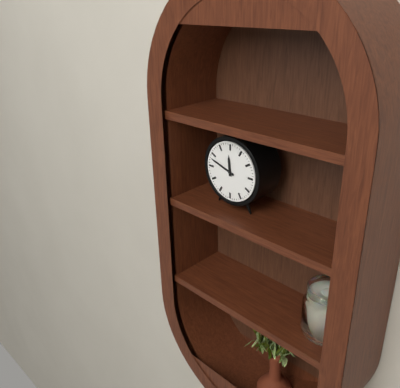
11 h 48 min
